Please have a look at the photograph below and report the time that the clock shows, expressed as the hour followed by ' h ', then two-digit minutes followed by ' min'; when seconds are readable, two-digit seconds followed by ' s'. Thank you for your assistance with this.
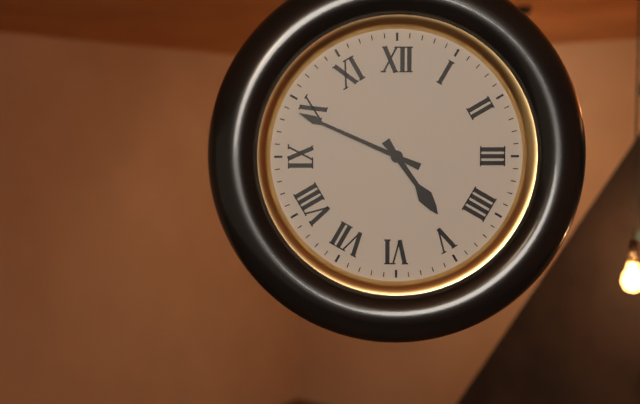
4 h 49 min
